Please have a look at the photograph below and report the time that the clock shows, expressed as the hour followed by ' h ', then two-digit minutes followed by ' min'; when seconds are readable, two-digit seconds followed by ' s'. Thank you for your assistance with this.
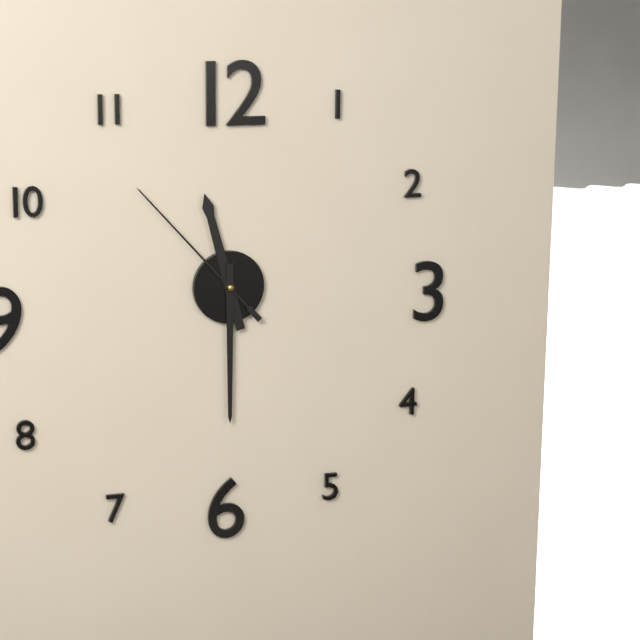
11 h 30 min 53 s
